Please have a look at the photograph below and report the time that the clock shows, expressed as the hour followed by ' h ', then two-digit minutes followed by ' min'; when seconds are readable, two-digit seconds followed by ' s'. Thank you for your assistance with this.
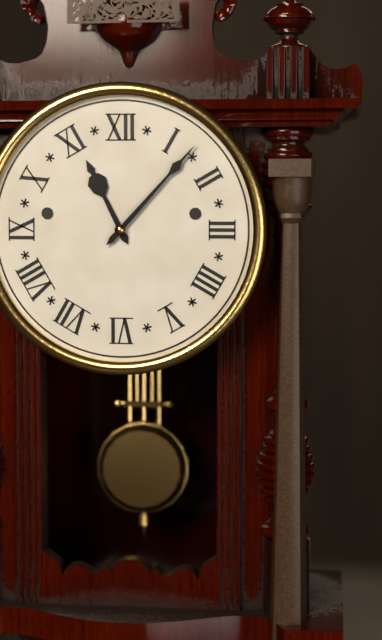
11 h 07 min
